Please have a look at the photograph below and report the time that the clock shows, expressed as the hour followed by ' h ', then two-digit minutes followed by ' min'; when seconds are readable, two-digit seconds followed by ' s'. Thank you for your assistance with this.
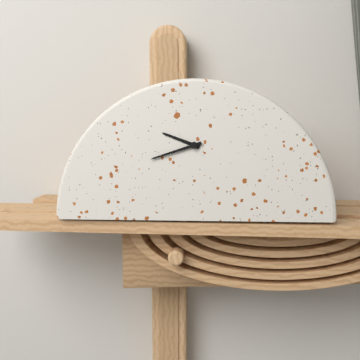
9 h 42 min
